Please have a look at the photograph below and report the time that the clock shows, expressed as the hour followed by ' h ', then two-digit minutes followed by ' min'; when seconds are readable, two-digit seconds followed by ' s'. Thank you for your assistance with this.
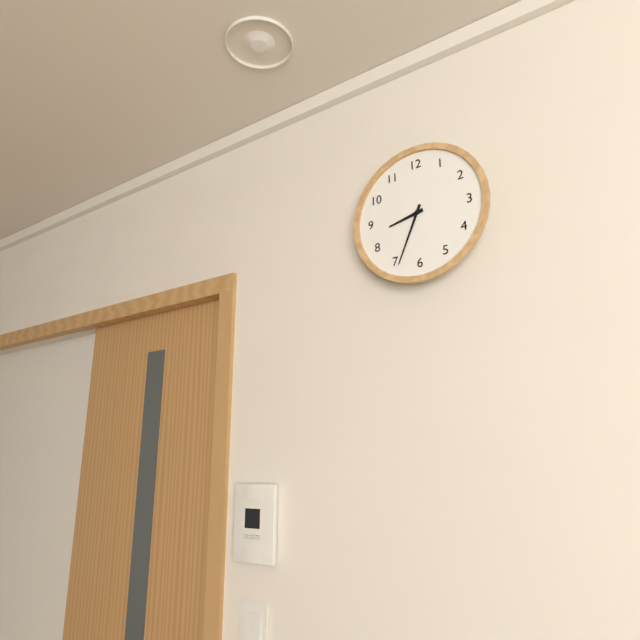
8 h 34 min
